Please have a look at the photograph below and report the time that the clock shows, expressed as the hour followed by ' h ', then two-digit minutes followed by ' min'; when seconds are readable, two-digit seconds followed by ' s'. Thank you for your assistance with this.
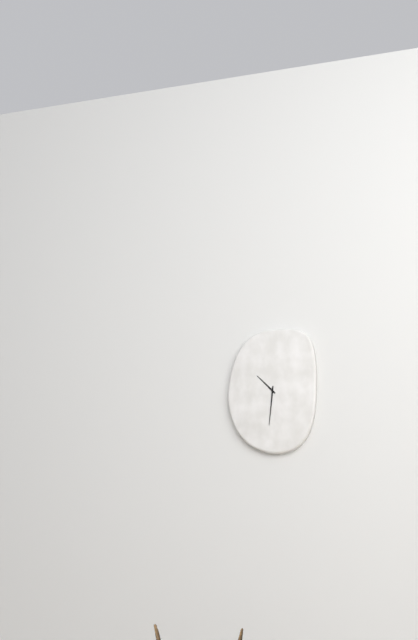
10 h 31 min
